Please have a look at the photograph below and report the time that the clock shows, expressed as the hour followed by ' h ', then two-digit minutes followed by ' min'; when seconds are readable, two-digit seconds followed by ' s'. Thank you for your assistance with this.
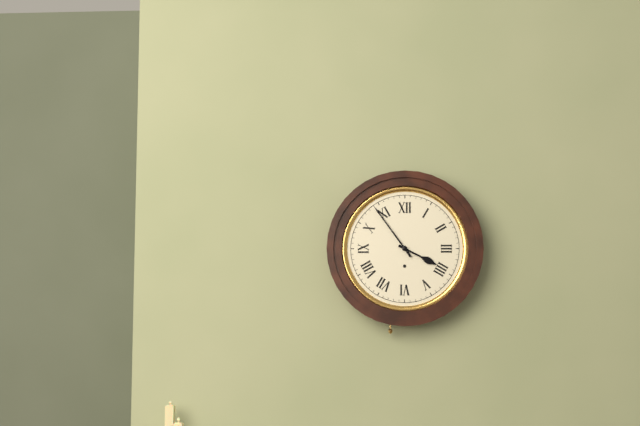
3 h 54 min
